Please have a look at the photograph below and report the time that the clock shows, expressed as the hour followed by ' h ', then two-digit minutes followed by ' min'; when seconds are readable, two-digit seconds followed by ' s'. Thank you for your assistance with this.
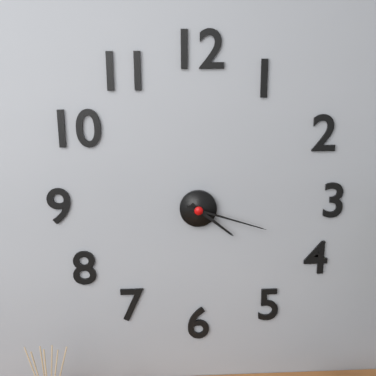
4 h 18 min
